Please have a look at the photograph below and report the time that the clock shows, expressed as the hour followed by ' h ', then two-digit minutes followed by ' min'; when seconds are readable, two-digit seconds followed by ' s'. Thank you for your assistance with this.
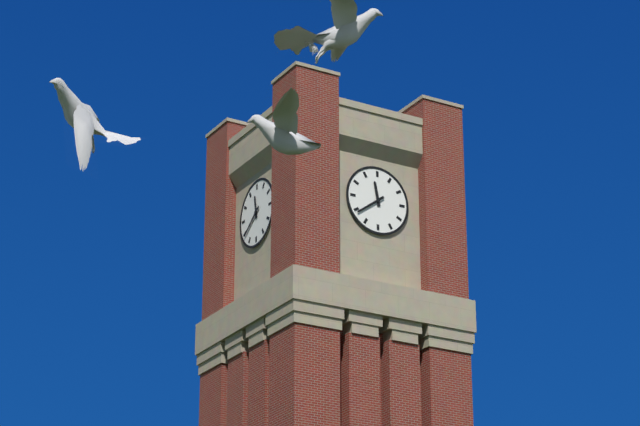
11 h 39 min
